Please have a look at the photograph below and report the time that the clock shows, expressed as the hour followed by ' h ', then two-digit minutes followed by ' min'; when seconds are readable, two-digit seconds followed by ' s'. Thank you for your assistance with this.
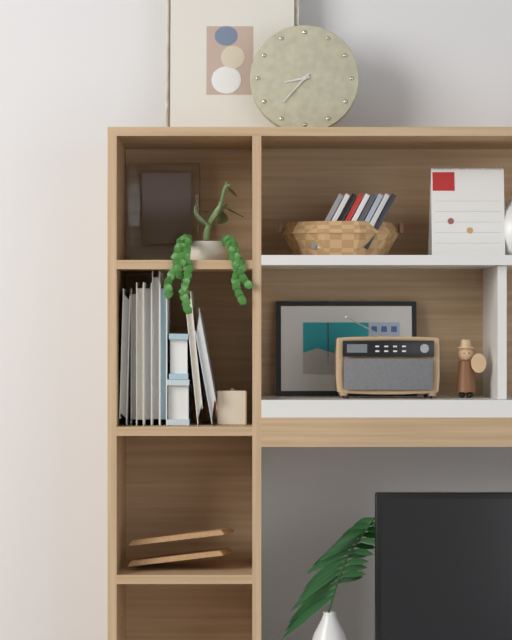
8 h 37 min
